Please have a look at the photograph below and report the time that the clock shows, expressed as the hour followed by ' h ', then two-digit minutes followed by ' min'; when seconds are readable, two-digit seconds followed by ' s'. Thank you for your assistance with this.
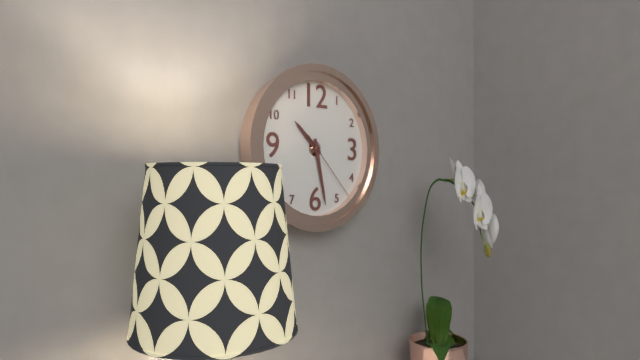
10 h 28 min 23 s
